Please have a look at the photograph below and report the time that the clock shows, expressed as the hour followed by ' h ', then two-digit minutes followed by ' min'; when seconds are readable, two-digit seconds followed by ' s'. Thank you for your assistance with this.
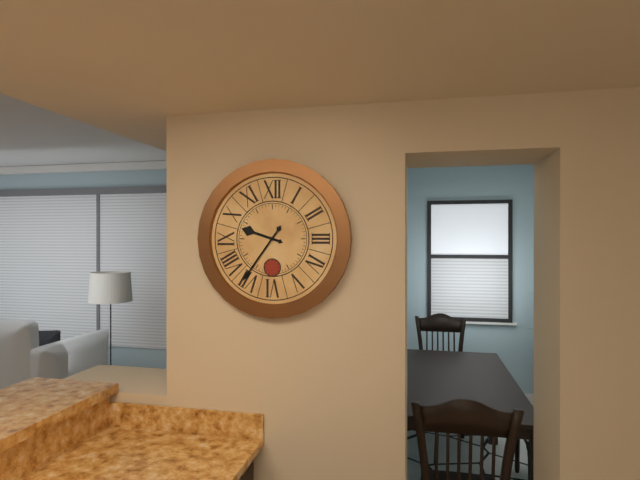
9 h 36 min
